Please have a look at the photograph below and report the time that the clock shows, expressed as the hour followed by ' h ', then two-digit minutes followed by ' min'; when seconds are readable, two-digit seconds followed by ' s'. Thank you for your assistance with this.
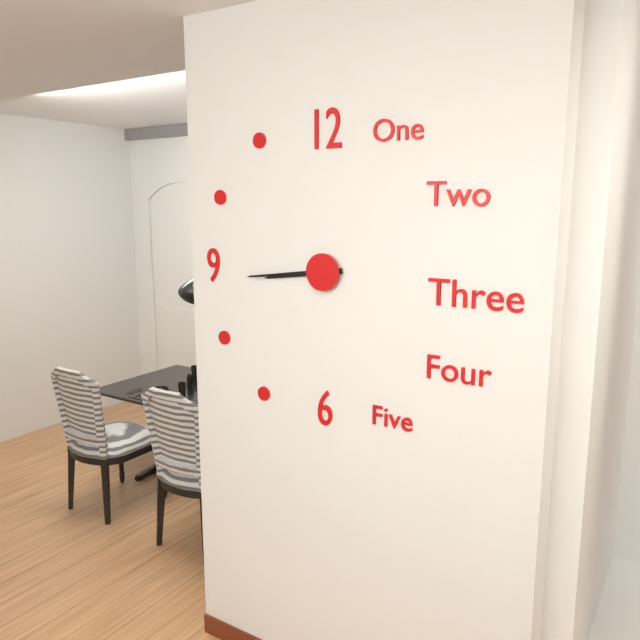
8 h 44 min
